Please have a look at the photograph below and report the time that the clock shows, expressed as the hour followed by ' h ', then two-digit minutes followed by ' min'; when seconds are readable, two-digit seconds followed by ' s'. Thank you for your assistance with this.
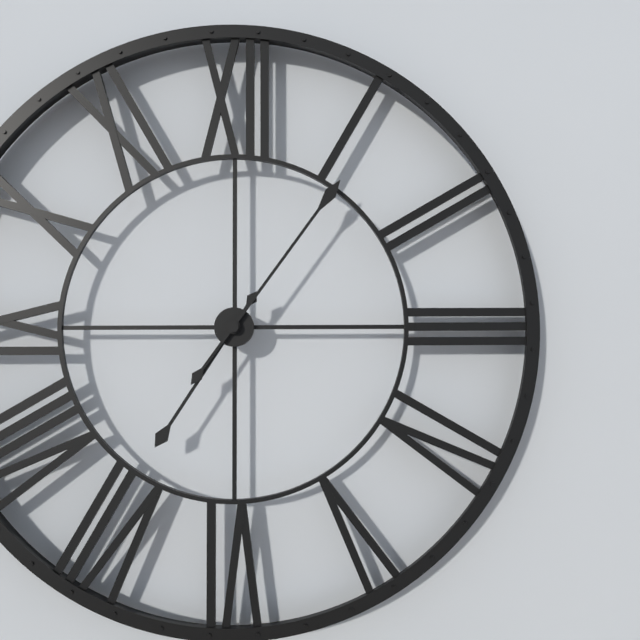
7 h 06 min
